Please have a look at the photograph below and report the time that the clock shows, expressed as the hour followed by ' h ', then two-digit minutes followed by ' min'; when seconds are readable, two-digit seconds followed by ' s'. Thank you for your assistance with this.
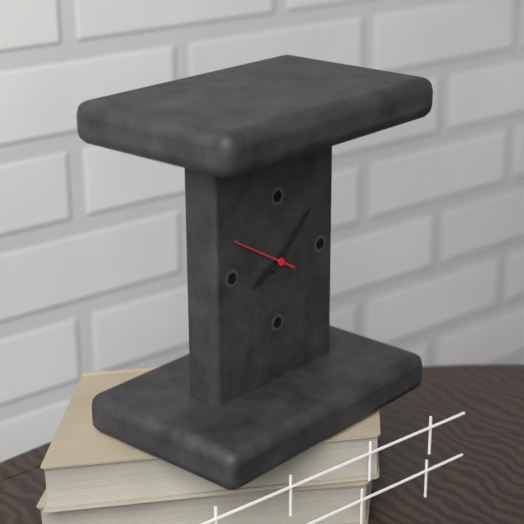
8 h 08 min 50 s
